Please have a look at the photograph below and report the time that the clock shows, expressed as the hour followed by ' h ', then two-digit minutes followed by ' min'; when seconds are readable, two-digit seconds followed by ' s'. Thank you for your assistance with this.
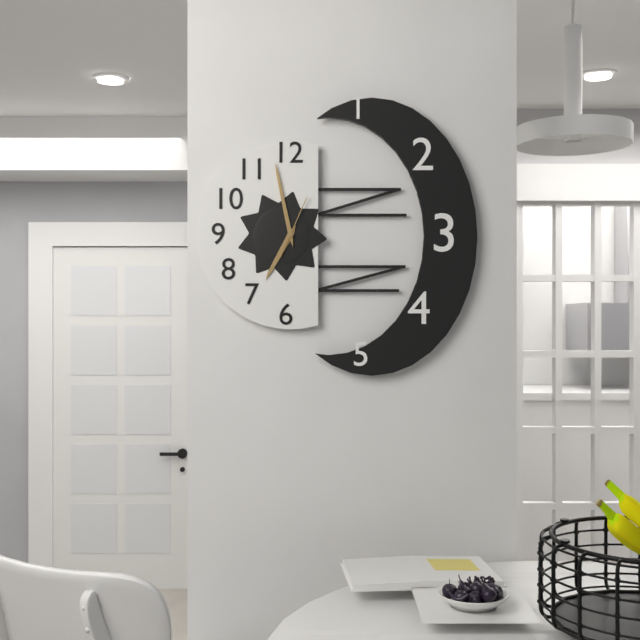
6 h 58 min 04 s
